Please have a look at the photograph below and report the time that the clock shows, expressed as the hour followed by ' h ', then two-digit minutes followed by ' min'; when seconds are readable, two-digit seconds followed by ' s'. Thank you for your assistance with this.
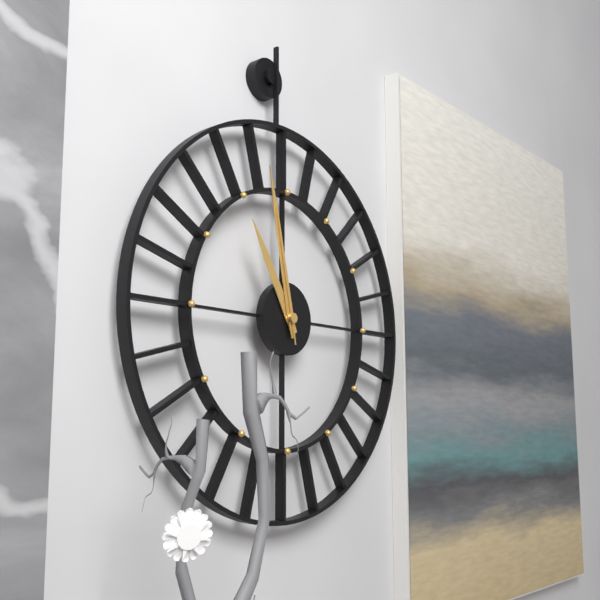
10 h 58 min 58 s
